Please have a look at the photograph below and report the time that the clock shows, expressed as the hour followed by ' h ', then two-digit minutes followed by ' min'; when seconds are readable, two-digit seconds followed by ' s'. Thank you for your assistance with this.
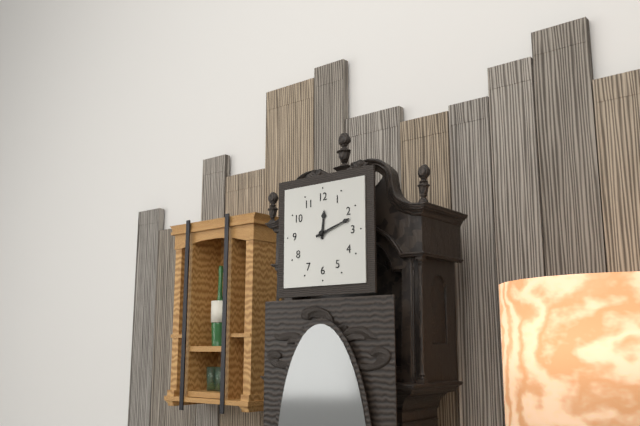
12 h 12 min
